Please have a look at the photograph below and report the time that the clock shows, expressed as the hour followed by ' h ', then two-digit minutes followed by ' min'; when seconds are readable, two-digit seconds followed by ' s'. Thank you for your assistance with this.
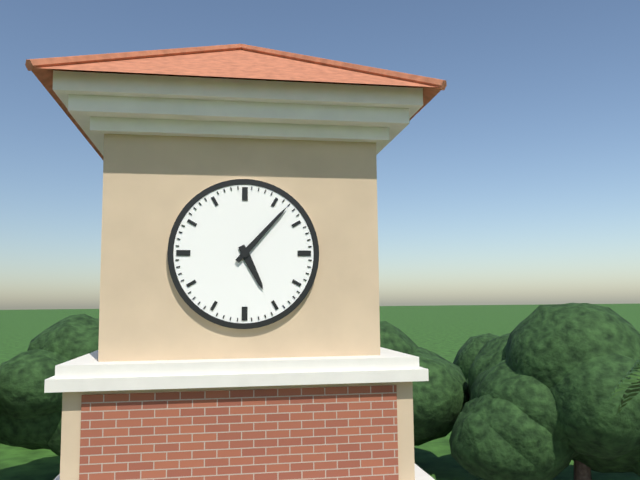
5 h 07 min
